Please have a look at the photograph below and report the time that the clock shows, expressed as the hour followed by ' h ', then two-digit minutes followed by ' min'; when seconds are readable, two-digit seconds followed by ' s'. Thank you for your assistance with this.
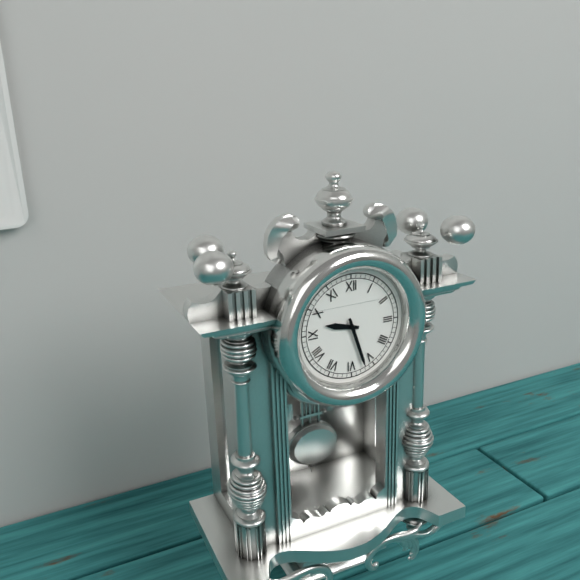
9 h 27 min
